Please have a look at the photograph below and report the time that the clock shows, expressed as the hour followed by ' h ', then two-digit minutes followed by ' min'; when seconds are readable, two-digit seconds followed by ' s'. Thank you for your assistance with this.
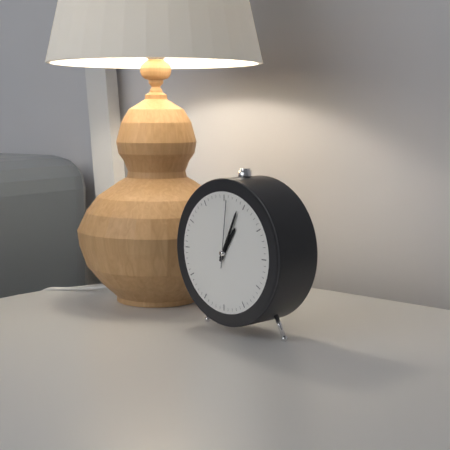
1 h 04 min 01 s
